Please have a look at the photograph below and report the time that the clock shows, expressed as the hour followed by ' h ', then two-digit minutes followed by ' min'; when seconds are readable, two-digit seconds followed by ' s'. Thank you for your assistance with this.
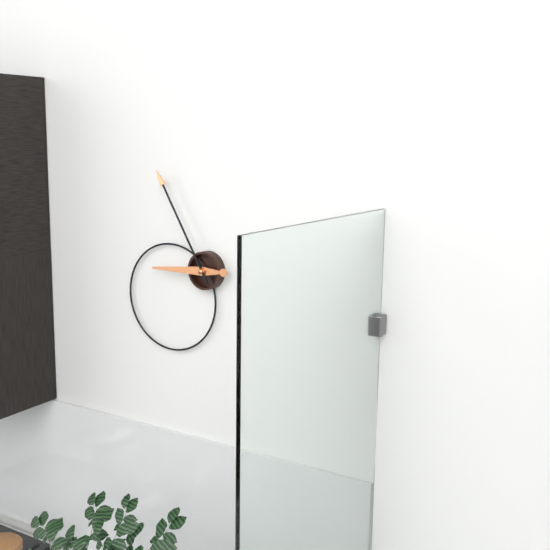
8 h 55 min
